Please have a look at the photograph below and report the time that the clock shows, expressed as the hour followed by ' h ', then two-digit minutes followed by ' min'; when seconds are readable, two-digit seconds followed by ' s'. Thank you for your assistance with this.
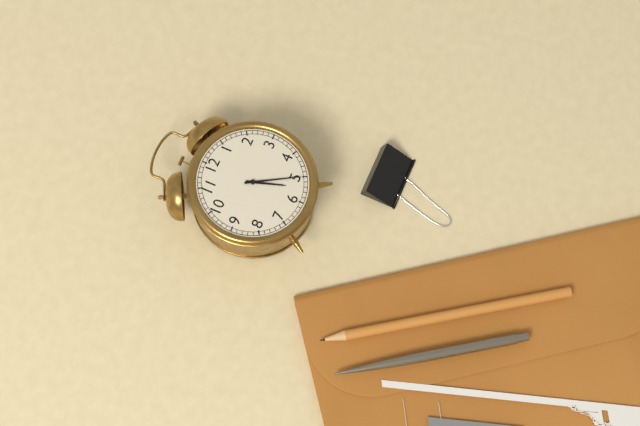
5 h 25 min
